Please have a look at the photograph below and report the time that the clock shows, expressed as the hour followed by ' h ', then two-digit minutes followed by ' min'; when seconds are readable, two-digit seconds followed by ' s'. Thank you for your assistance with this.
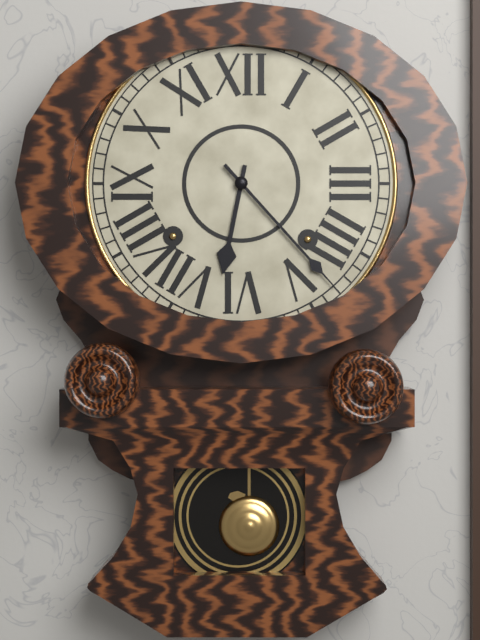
6 h 23 min
